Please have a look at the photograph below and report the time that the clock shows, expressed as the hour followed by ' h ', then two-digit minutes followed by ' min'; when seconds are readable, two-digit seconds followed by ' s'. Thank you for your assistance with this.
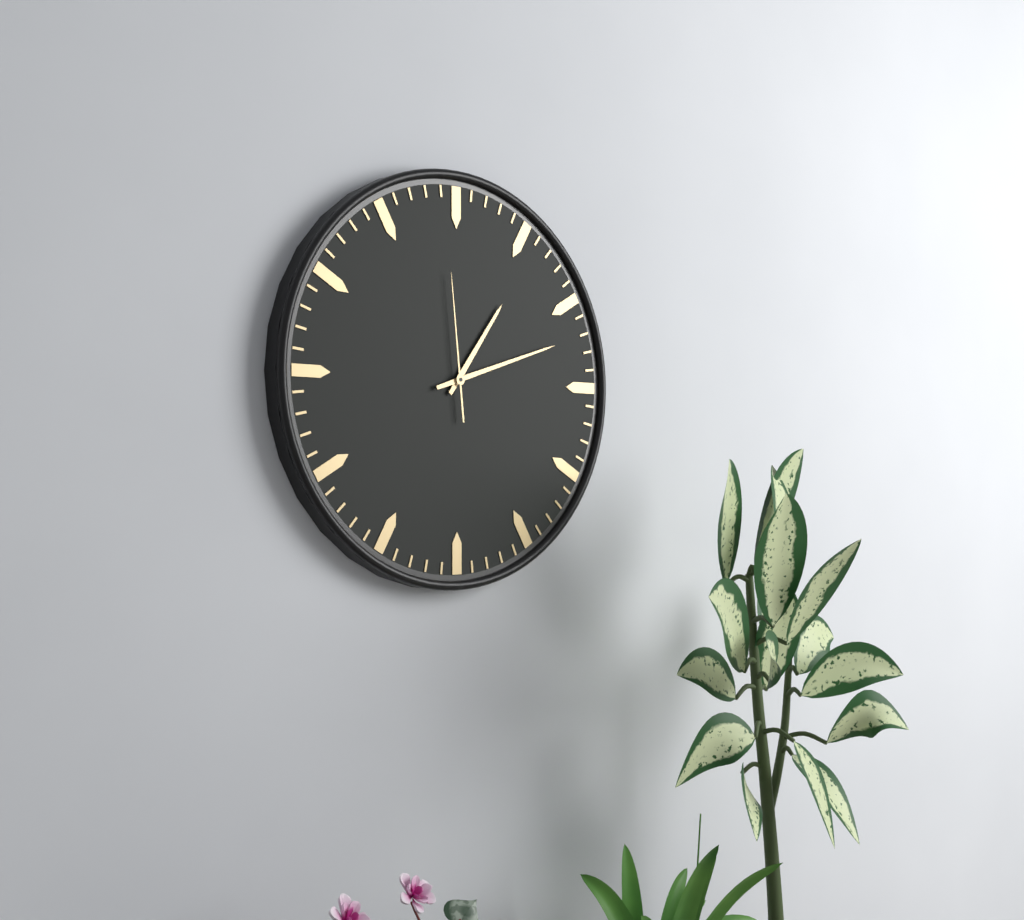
1 h 12 min 59 s
